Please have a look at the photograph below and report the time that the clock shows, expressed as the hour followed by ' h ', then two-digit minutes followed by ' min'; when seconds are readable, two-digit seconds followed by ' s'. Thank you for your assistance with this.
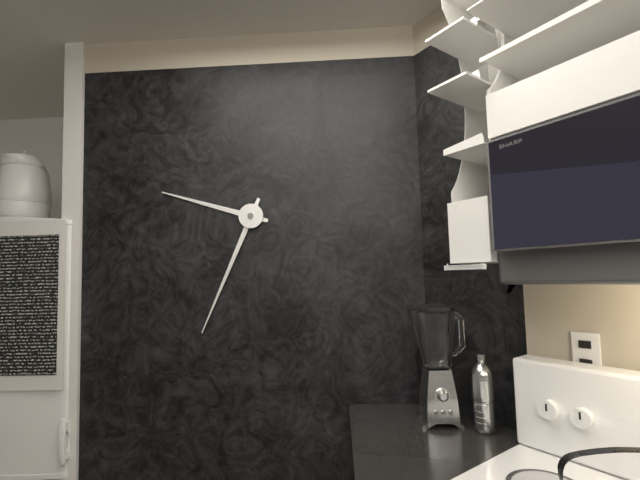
9 h 34 min
